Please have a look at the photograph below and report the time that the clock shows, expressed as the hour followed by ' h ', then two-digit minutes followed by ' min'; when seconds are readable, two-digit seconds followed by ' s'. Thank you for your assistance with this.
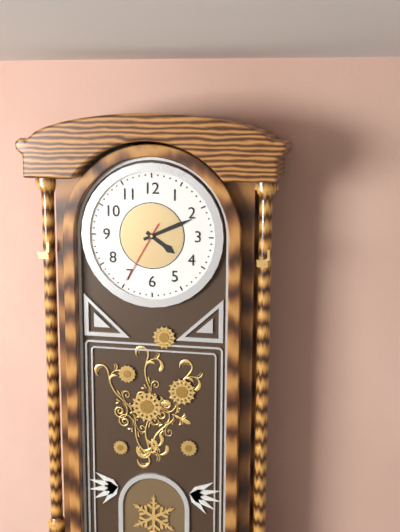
4 h 11 min 35 s
